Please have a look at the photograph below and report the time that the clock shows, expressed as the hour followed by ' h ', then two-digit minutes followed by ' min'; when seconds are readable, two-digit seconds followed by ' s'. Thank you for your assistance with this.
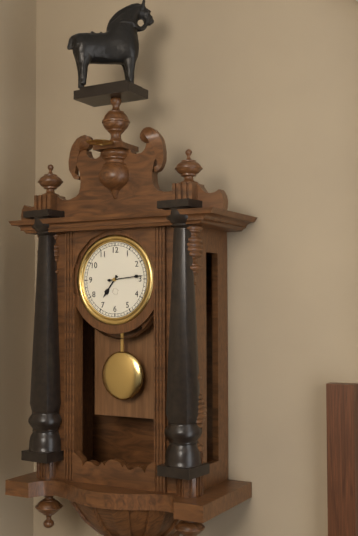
7 h 14 min
